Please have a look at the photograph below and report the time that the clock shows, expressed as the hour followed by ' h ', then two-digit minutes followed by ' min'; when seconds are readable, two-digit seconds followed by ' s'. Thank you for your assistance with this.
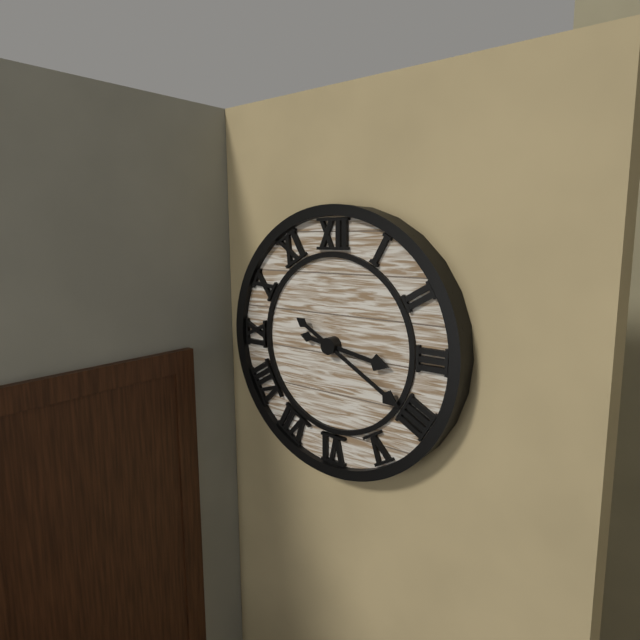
3 h 20 min
